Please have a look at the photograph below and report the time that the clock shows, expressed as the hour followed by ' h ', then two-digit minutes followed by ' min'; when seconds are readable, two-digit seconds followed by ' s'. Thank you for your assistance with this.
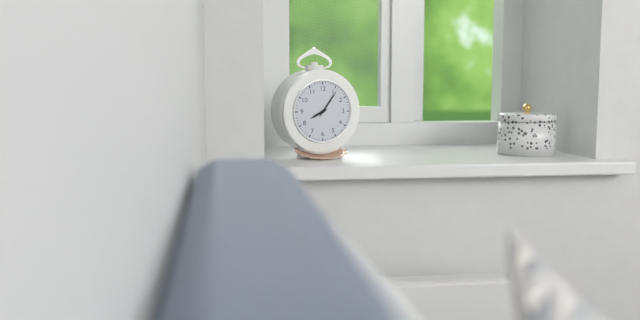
8 h 06 min
